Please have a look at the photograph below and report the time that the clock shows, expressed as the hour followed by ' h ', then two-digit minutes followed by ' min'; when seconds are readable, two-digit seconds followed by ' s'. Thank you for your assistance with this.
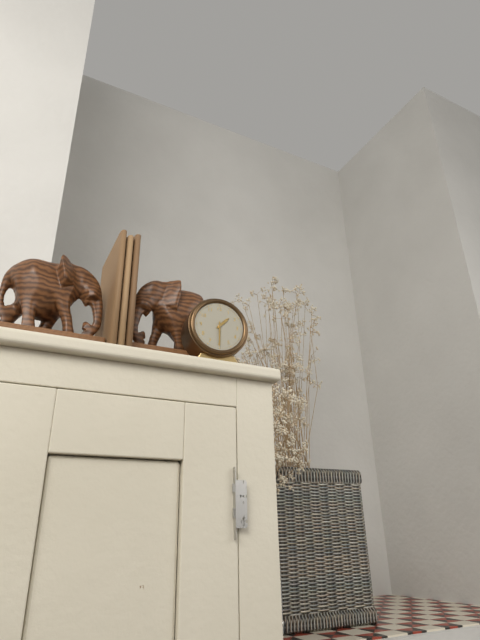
1 h 30 min
